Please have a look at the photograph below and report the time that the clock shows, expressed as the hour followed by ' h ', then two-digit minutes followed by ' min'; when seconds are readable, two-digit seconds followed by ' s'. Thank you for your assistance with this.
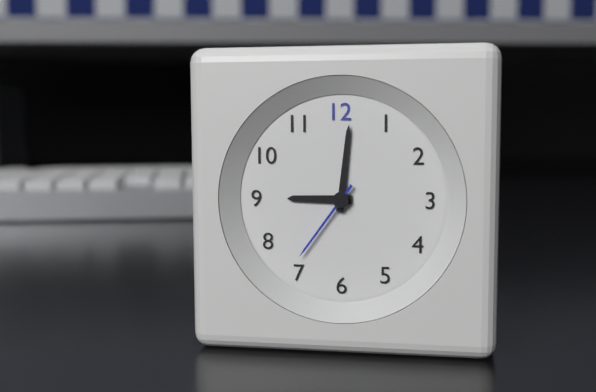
9 h 01 min 36 s
